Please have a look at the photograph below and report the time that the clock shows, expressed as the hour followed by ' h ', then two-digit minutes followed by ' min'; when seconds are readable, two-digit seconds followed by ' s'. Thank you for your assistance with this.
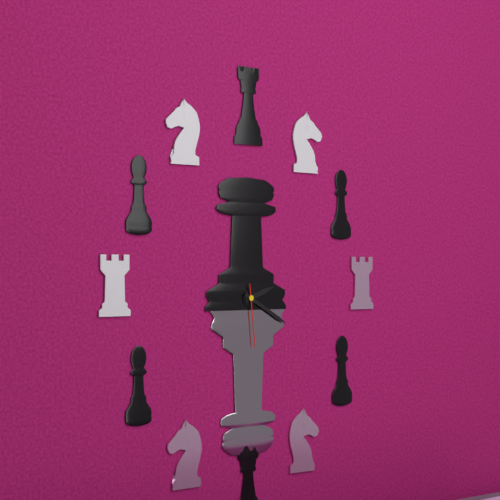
2 h 20 min 29 s
